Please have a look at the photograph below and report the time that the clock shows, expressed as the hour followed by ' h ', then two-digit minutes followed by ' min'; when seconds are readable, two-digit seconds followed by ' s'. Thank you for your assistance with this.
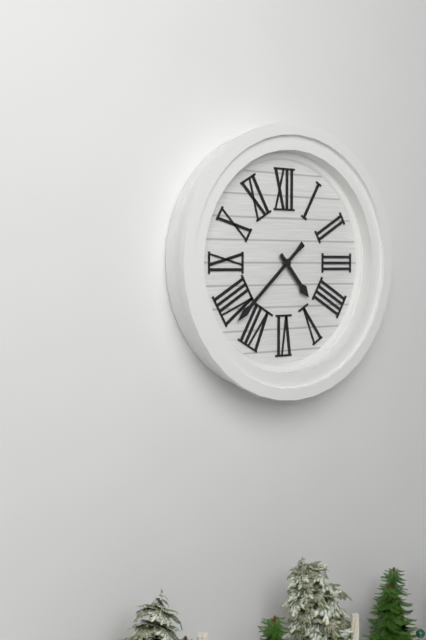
4 h 38 min
